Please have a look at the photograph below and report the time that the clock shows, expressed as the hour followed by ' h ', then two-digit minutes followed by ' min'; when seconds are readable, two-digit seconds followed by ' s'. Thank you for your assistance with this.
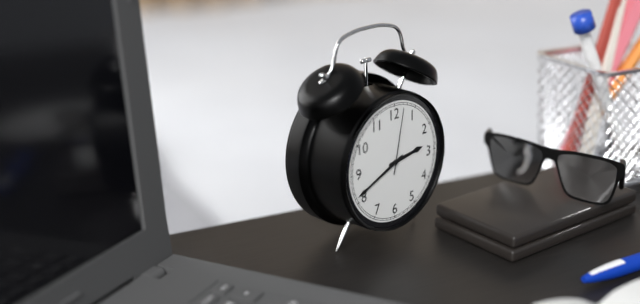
2 h 41 min 02 s
